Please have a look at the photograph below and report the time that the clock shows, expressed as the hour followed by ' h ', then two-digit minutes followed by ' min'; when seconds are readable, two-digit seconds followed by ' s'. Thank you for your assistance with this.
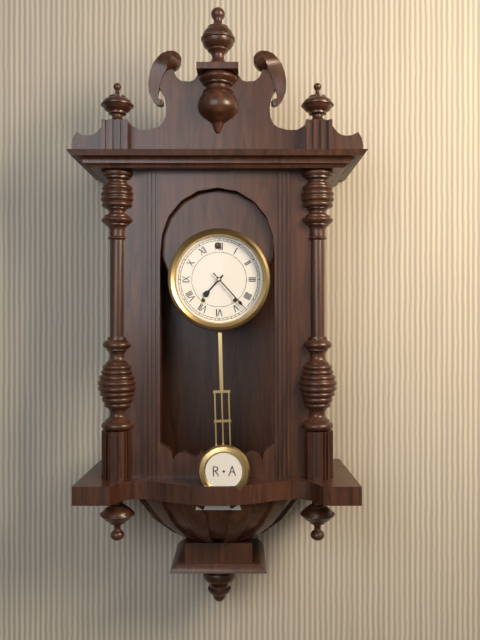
7 h 23 min
